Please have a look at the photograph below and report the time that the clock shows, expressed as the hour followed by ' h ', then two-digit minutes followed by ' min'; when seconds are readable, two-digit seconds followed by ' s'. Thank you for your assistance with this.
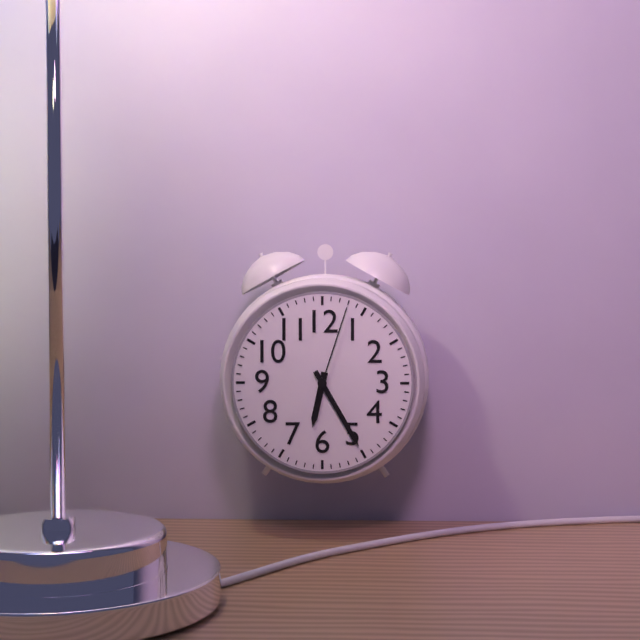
6 h 25 min 03 s
